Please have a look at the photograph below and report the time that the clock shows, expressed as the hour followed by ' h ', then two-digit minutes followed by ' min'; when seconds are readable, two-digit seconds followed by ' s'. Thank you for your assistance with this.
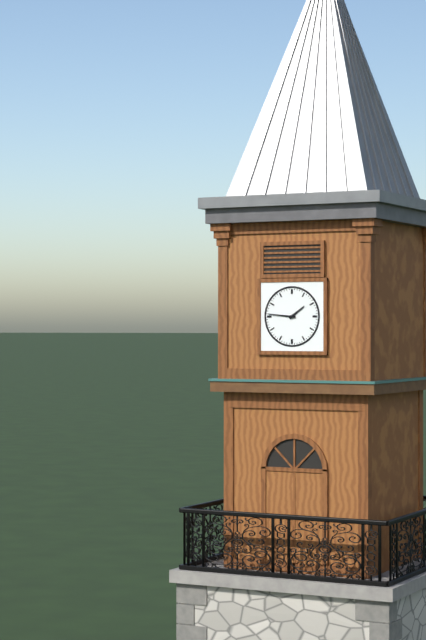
1 h 46 min
